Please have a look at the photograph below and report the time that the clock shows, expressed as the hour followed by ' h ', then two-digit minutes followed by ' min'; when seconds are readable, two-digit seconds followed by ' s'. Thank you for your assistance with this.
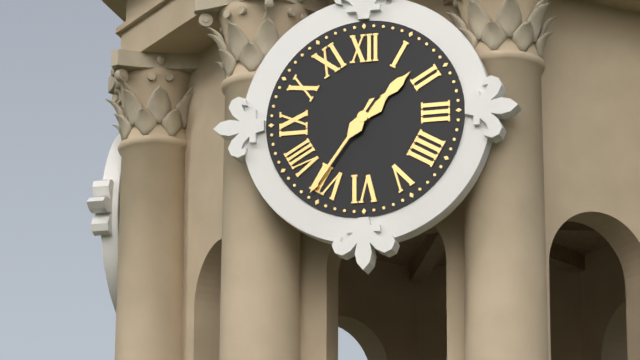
1 h 36 min
